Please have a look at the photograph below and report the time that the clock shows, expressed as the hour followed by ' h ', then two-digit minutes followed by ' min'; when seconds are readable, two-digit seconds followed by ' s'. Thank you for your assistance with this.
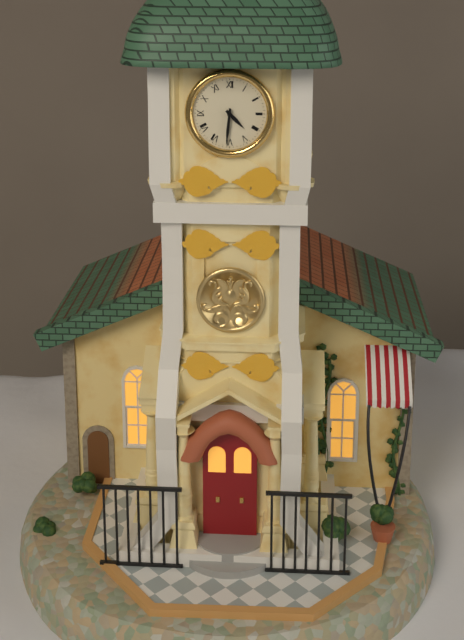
4 h 31 min
